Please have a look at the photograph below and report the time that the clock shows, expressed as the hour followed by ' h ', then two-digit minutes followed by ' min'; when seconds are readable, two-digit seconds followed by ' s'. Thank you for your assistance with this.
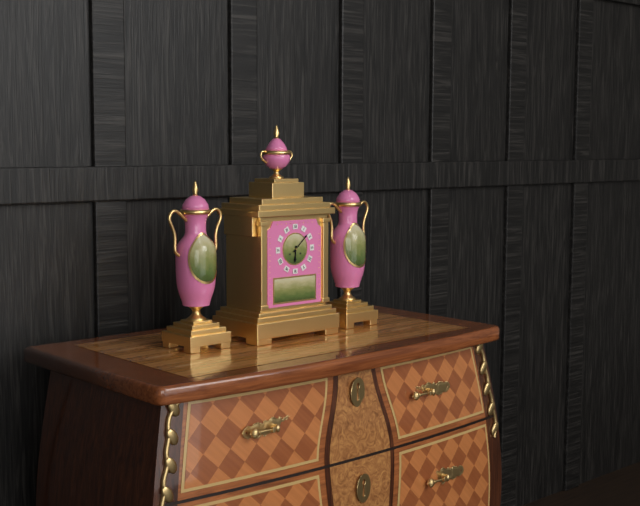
6 h 08 min
